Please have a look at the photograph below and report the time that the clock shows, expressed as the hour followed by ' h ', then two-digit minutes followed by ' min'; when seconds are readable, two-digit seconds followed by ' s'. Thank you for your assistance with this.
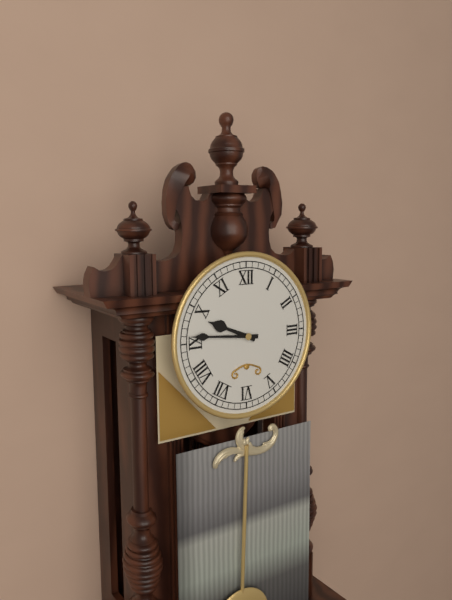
9 h 46 min
